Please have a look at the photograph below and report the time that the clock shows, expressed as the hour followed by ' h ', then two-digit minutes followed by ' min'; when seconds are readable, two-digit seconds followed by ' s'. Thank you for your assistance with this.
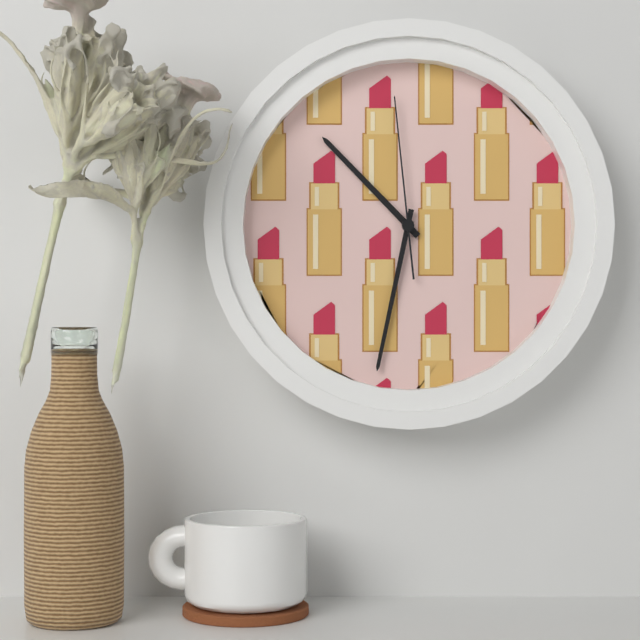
10 h 32 min 59 s
